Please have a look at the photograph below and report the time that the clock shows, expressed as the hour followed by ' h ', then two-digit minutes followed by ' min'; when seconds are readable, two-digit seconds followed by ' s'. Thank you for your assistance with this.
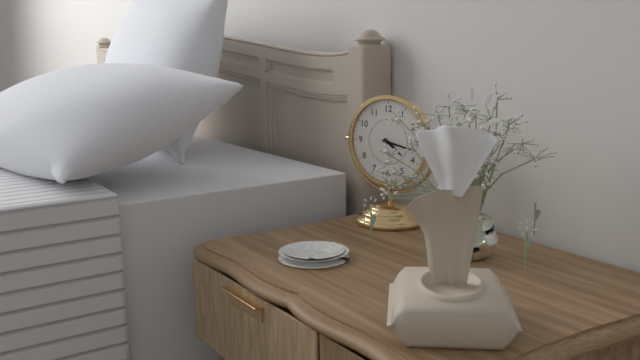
4 h 17 min
